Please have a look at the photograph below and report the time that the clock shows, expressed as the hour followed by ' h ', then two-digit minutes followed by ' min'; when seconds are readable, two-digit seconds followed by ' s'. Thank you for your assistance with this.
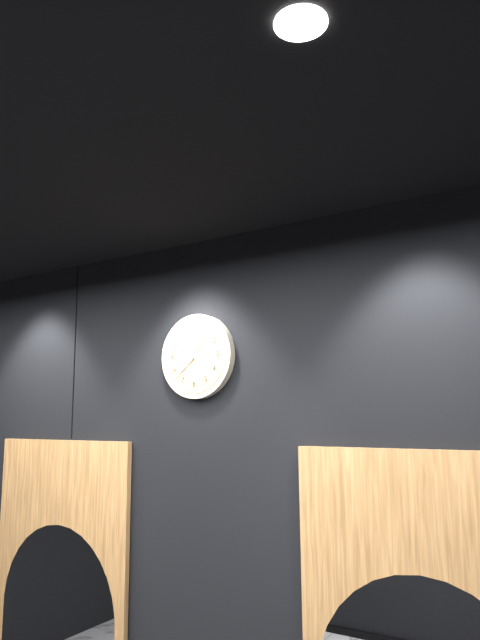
4 h 38 min
